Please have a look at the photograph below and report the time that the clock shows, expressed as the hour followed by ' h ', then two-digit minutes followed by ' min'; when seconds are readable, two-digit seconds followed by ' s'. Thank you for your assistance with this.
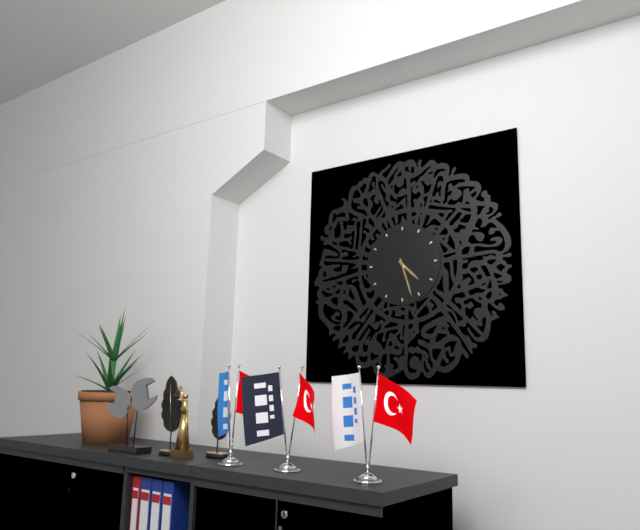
4 h 27 min
